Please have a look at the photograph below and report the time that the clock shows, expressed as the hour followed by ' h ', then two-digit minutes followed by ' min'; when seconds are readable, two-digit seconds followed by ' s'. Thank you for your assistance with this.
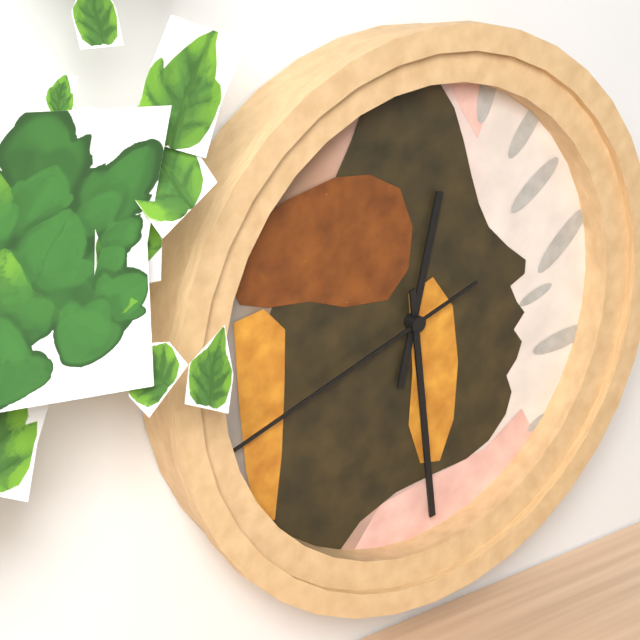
12 h 29 min 42 s
